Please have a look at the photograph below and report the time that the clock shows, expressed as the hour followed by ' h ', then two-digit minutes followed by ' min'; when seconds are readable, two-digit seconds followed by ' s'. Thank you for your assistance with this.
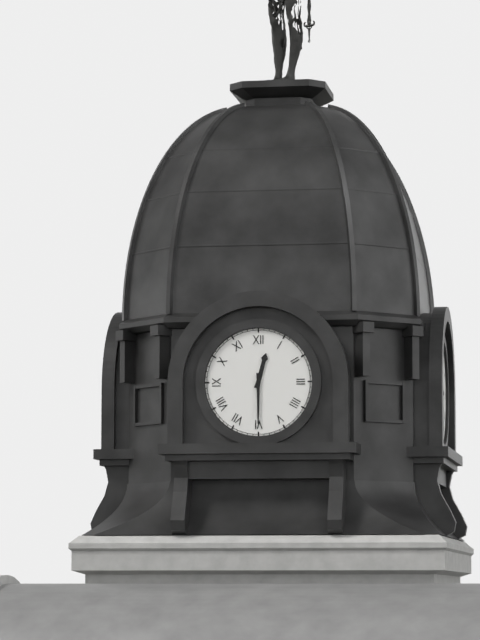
12 h 30 min
